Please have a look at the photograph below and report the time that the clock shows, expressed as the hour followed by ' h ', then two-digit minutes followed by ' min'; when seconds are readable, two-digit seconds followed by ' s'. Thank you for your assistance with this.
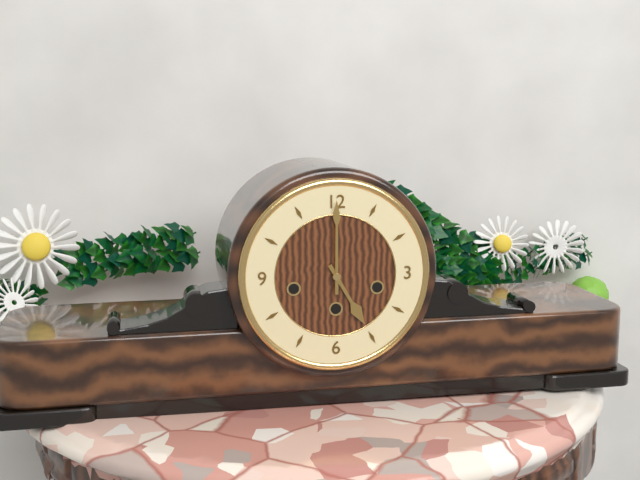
5 h 00 min
